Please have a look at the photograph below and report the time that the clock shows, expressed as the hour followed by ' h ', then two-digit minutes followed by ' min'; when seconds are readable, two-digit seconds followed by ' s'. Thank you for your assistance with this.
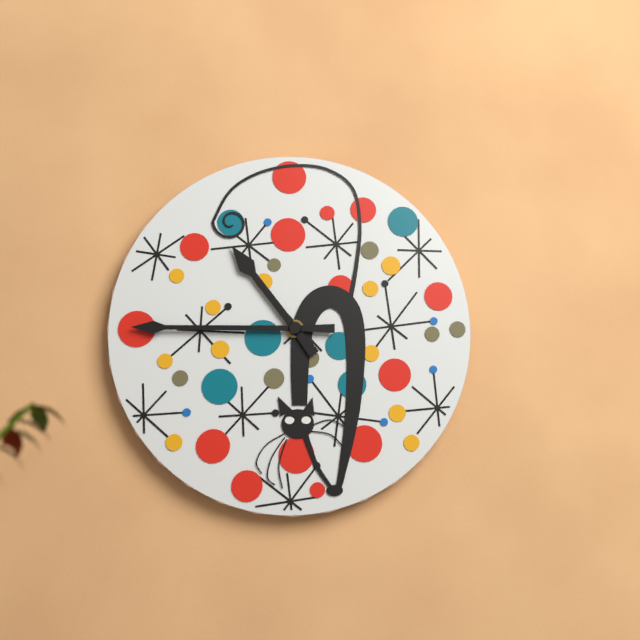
10 h 45 min
